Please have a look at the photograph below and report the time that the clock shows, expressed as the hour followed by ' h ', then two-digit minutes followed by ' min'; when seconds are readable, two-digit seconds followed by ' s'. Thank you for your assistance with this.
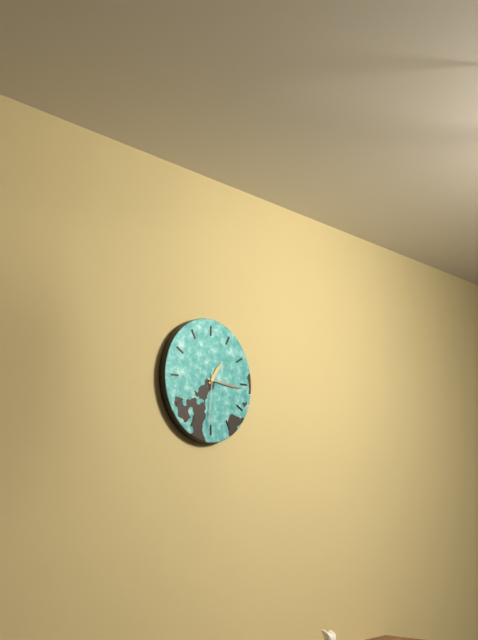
1 h 16 min 31 s
